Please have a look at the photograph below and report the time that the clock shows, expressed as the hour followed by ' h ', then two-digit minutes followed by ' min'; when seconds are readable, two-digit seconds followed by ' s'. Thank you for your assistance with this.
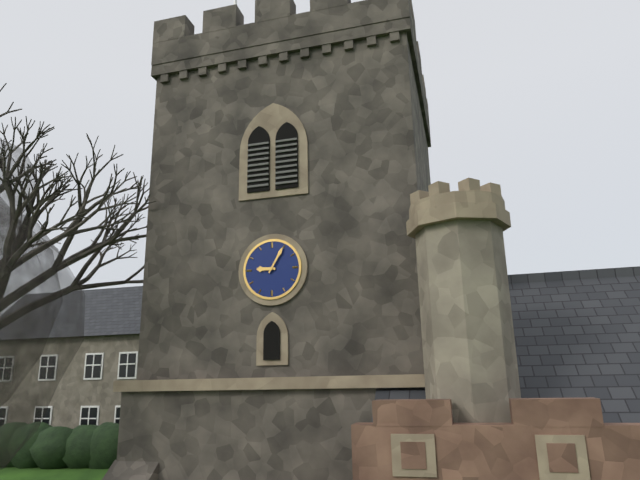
9 h 05 min
